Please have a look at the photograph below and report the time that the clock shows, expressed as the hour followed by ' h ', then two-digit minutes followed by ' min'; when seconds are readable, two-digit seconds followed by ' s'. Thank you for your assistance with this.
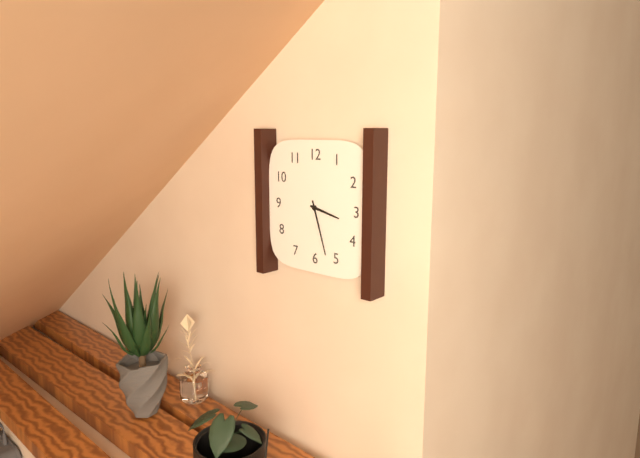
3 h 27 min
